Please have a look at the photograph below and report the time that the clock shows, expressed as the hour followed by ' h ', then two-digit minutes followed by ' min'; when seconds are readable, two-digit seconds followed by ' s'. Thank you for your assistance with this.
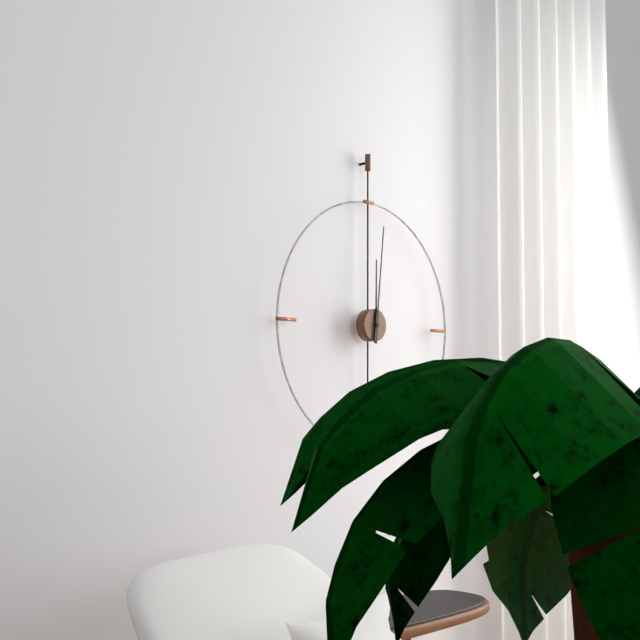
12 h 01 min
